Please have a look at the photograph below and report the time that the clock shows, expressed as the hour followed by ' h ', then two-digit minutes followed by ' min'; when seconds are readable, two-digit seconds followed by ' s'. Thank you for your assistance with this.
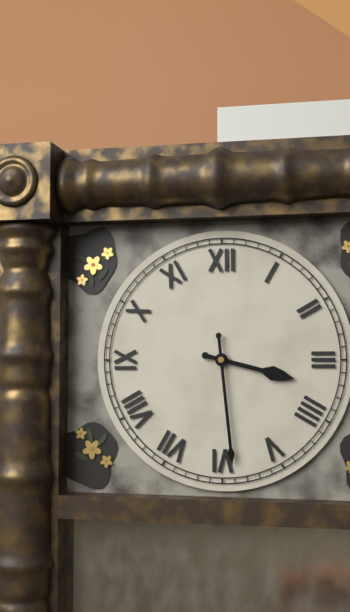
3 h 29 min
